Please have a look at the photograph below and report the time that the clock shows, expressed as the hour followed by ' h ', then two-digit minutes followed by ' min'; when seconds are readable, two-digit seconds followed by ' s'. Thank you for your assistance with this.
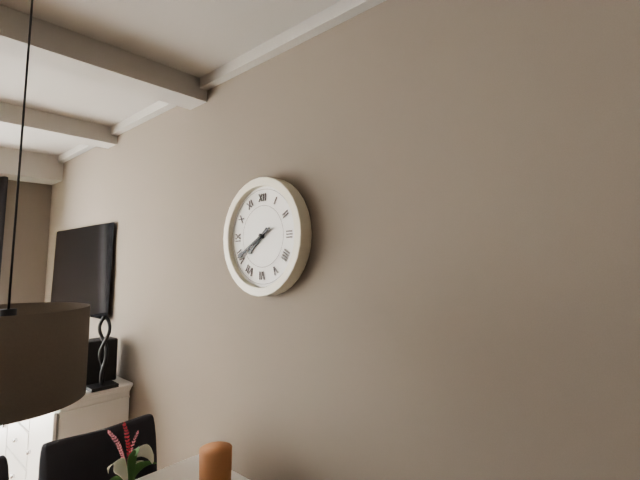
7 h 40 min
